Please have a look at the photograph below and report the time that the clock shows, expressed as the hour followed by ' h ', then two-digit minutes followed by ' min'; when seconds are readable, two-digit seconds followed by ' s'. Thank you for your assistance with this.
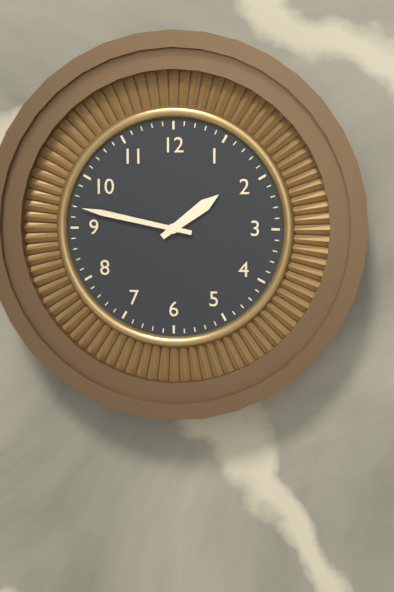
1 h 47 min
